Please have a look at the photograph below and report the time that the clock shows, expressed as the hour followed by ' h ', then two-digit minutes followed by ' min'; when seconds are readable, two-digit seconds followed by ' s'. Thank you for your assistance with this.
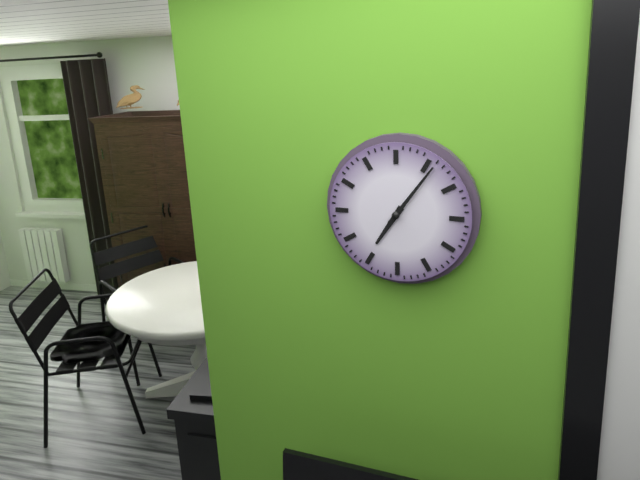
7 h 06 min
